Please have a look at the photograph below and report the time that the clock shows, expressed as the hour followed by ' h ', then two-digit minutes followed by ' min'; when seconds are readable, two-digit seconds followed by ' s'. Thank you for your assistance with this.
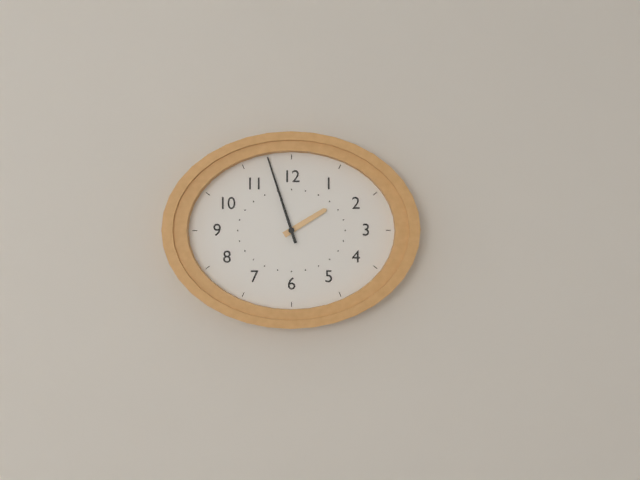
1 h 57 min
